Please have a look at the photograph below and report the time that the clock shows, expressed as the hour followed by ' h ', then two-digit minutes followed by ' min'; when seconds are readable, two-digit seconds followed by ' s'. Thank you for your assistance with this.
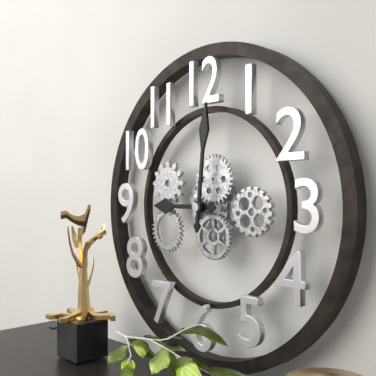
9 h 01 min
